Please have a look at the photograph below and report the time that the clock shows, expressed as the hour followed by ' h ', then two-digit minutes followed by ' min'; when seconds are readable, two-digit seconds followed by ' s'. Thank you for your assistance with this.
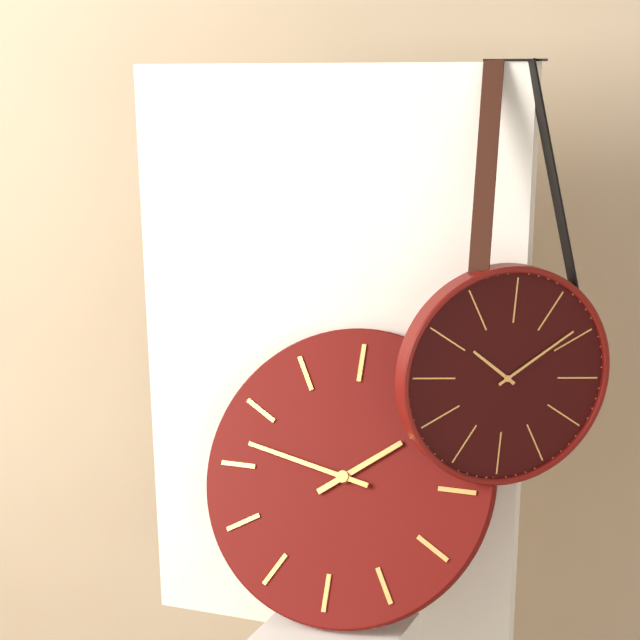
1 h 47 min
